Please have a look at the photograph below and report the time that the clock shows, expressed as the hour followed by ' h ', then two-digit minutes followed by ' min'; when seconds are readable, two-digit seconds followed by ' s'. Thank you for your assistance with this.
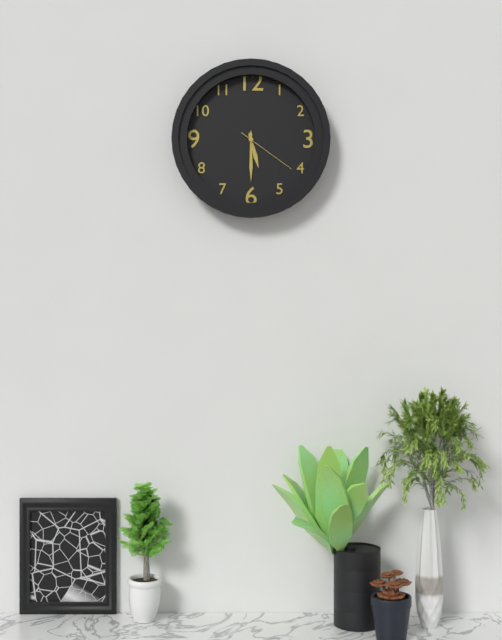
5 h 30 min 21 s
